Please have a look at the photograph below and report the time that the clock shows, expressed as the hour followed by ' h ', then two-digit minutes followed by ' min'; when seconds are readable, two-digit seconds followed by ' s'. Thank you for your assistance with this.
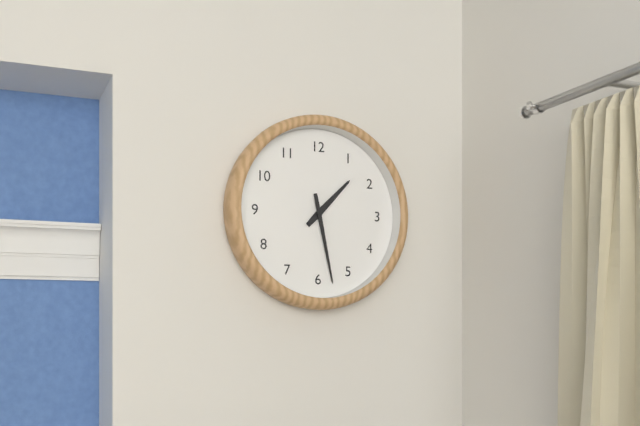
1 h 28 min
